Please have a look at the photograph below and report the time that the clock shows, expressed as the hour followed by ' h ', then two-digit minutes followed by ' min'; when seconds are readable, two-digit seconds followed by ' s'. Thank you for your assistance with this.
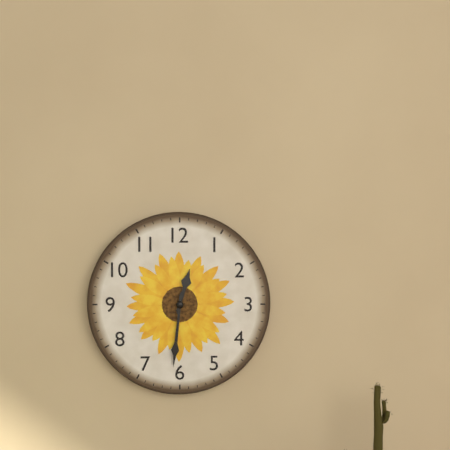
12 h 31 min
